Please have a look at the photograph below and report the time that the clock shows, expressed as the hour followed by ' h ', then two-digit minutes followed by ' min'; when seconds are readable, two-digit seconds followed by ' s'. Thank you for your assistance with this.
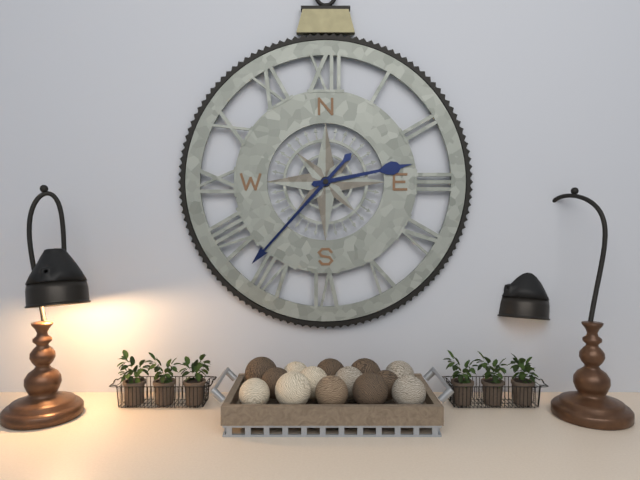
2 h 37 min
